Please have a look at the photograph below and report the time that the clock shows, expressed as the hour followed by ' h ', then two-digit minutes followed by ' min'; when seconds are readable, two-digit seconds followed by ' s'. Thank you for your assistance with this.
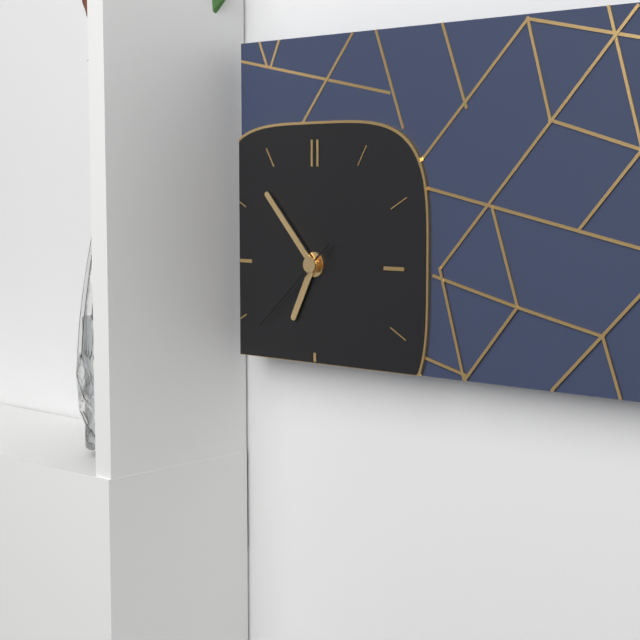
6 h 53 min 38 s
